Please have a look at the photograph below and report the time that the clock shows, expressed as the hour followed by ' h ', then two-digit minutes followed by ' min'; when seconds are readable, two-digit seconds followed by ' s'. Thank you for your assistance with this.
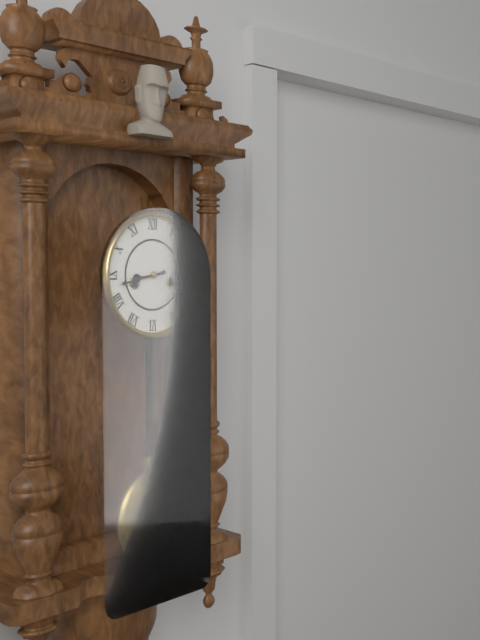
8 h 43 min
